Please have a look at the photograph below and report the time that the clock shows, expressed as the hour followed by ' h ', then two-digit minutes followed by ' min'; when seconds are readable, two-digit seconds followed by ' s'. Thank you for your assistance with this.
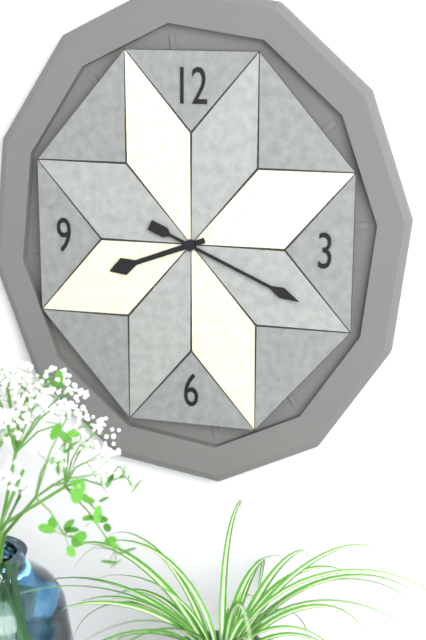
8 h 19 min
